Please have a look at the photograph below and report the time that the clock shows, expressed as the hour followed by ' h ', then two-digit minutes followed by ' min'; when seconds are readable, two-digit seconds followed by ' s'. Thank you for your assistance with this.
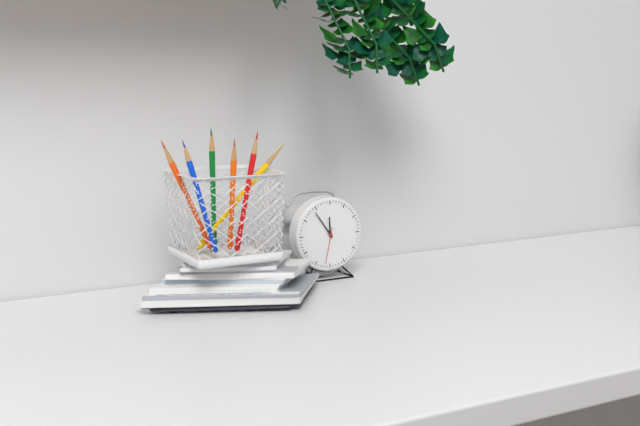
11 h 54 min
